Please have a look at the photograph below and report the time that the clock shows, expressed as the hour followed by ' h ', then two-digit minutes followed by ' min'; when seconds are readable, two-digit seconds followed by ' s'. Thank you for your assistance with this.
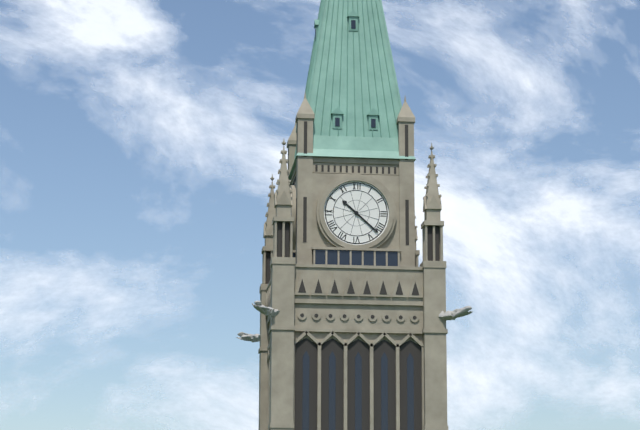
10 h 22 min
